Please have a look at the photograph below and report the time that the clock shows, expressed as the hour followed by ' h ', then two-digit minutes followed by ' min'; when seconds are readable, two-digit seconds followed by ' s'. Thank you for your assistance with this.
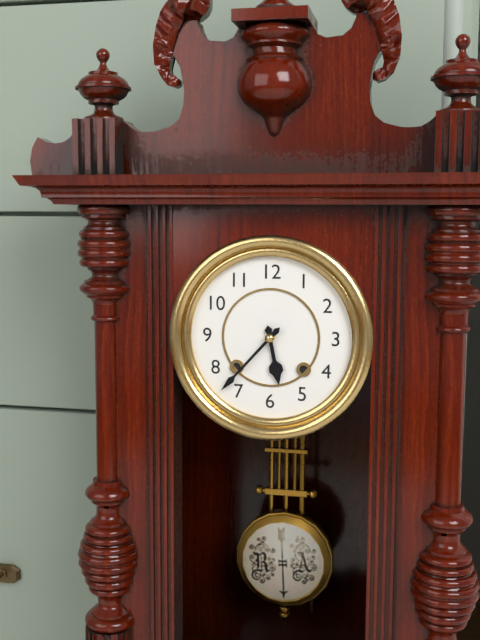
5 h 37 min
